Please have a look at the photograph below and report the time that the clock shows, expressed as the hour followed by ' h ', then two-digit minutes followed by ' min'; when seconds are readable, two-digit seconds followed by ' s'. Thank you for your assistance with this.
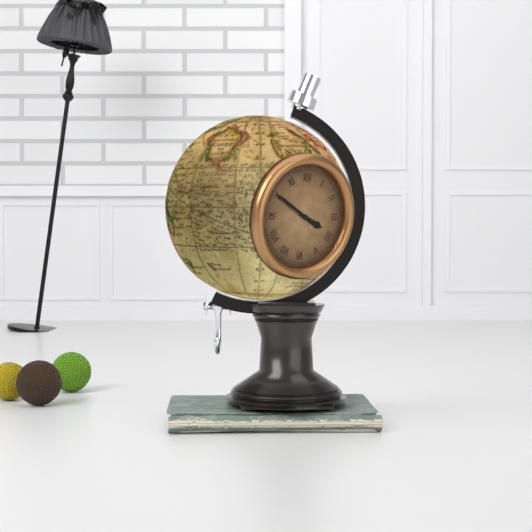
3 h 50 min
